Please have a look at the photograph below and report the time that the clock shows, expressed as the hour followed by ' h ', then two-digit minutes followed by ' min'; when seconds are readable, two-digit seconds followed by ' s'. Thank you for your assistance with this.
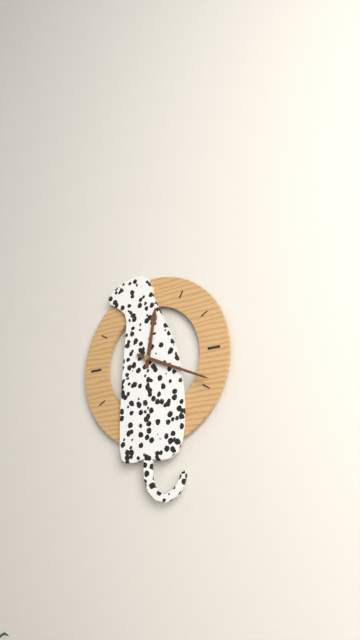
12 h 19 min
